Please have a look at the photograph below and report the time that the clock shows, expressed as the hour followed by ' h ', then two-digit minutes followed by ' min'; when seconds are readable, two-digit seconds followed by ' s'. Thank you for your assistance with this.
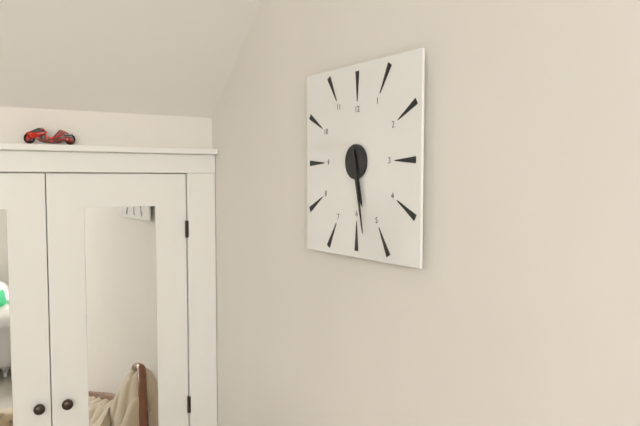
5 h 28 min
